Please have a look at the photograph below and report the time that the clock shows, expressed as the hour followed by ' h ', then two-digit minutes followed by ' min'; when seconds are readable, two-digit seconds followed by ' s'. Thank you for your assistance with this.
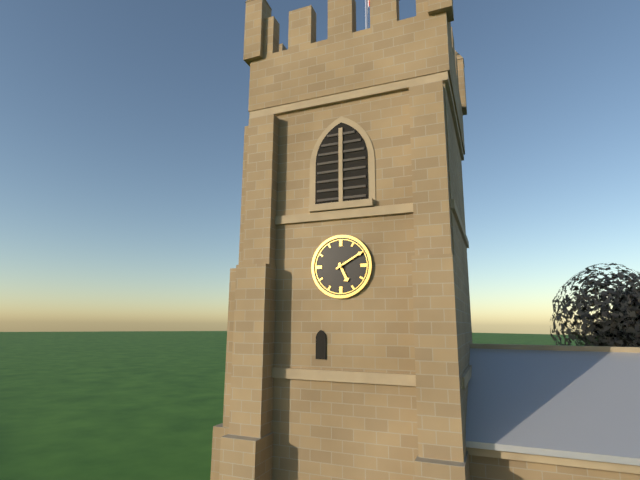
5 h 10 min
